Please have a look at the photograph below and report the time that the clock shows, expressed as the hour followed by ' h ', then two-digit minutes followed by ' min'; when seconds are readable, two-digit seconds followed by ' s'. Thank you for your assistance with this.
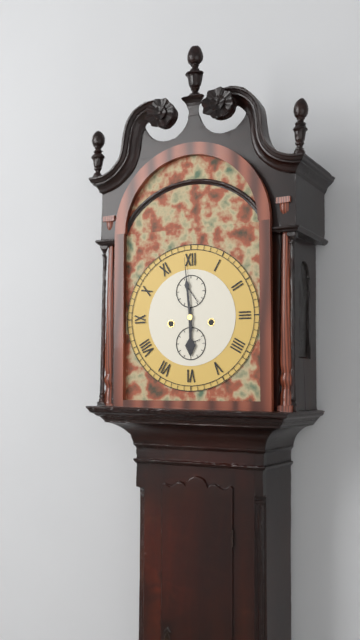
5 h 59 min
